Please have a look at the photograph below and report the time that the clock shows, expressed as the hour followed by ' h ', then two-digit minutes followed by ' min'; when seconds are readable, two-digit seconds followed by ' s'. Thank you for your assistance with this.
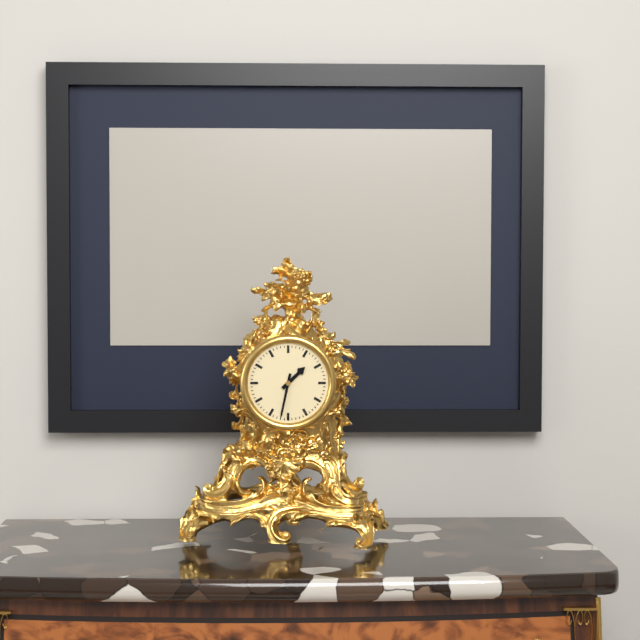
1 h 32 min
